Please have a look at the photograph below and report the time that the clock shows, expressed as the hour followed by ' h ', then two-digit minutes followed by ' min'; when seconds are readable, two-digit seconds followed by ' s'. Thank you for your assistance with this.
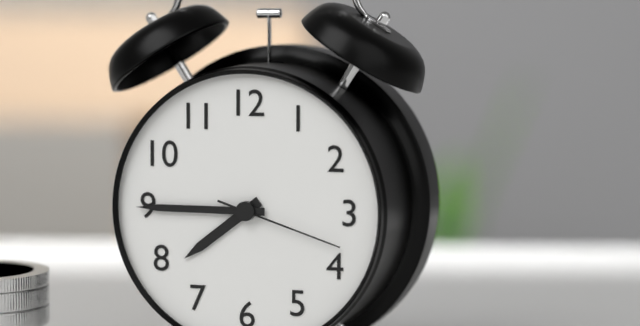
7 h 45 min 18 s
